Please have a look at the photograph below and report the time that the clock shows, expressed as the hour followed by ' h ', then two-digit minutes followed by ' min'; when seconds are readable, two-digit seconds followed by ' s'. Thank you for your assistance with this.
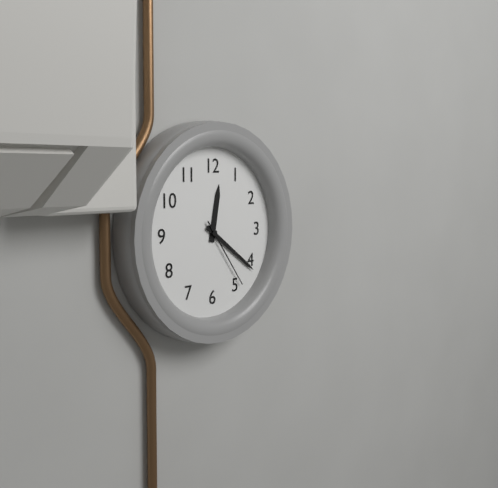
12 h 21 min 24 s
